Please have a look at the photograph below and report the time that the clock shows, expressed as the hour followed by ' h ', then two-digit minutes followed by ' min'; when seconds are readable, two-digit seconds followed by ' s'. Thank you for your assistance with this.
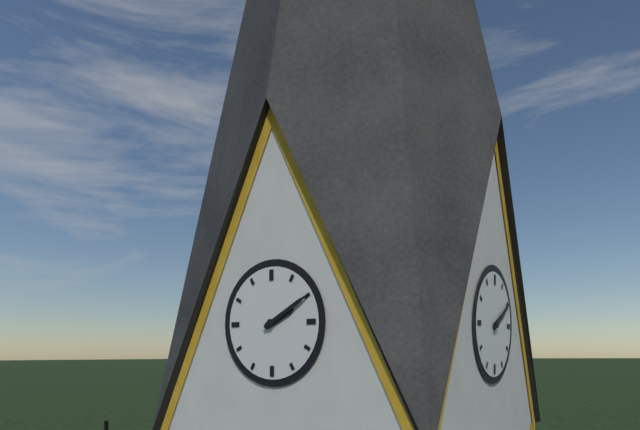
2 h 10 min
